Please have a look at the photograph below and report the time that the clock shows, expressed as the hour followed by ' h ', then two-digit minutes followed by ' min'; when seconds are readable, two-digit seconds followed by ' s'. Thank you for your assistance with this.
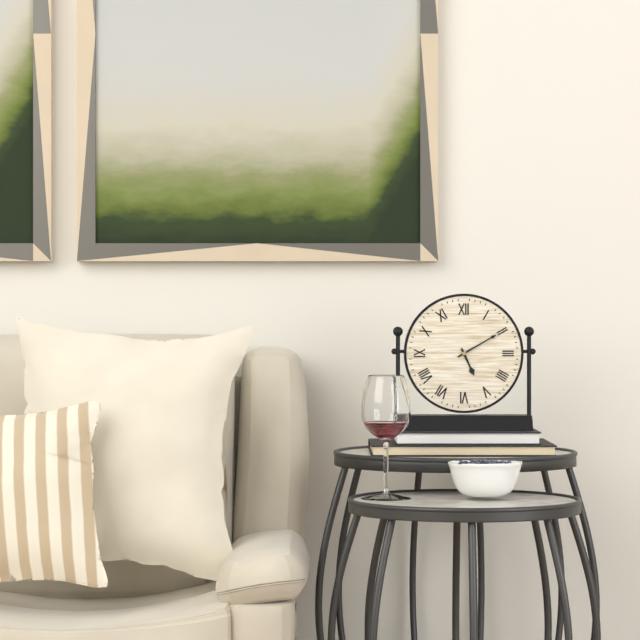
5 h 10 min
